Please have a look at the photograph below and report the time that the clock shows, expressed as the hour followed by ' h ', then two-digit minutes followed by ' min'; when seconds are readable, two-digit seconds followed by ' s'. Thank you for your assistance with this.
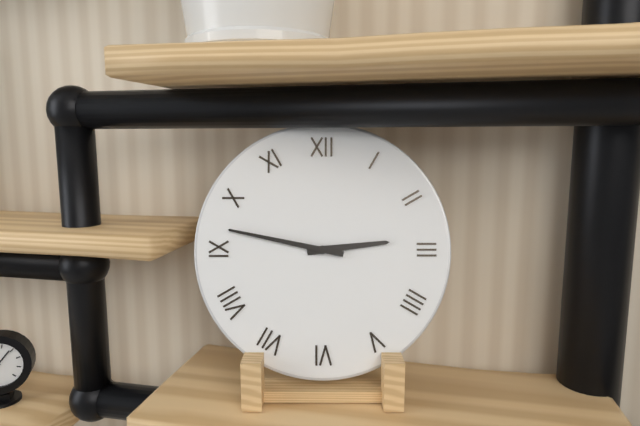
2 h 47 min
